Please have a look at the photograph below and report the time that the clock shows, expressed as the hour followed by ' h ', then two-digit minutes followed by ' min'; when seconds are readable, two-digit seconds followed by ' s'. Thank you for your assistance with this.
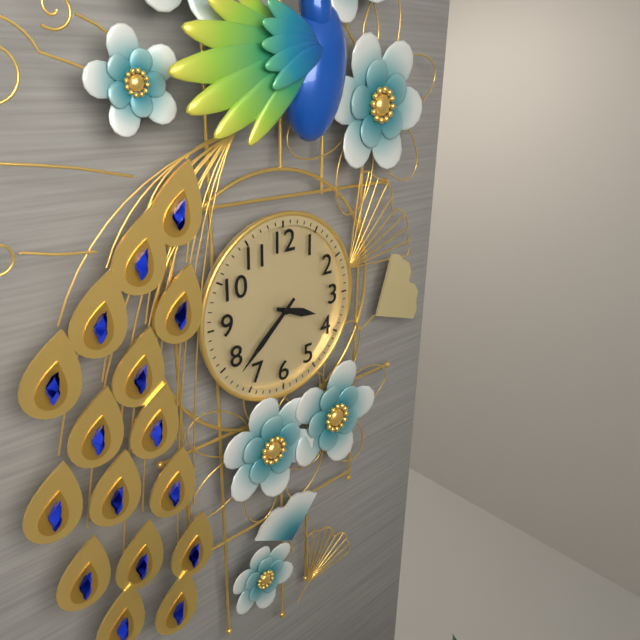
3 h 38 min
